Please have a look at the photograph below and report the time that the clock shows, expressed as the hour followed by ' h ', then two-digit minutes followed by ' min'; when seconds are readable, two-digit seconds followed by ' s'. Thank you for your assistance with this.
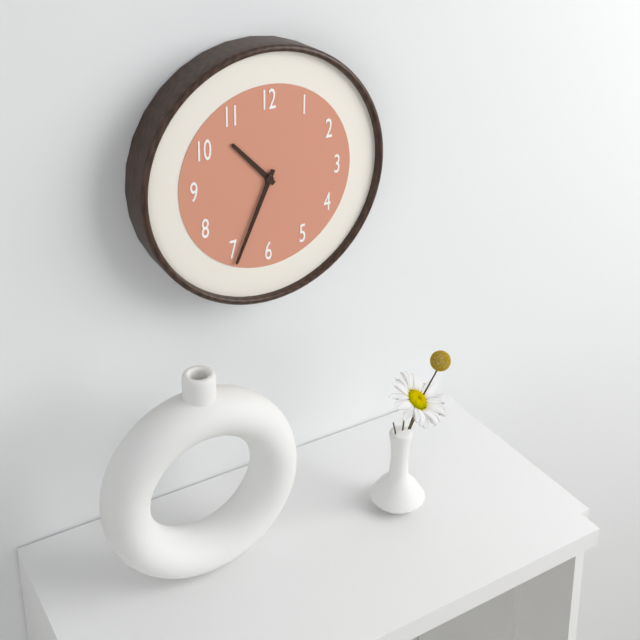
10 h 34 min
